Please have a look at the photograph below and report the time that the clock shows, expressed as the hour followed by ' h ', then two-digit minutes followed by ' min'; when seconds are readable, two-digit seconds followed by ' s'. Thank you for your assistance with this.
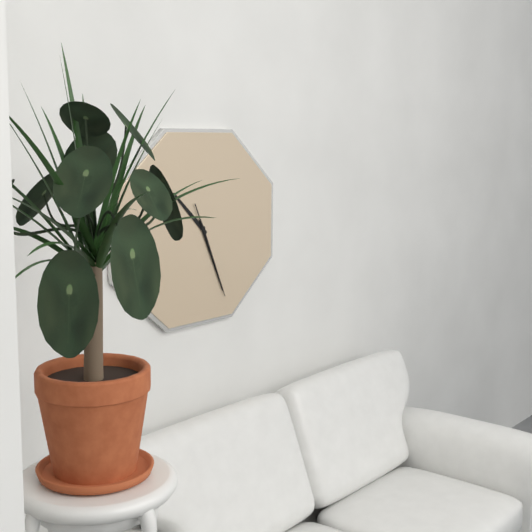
10 h 26 min 26 s
